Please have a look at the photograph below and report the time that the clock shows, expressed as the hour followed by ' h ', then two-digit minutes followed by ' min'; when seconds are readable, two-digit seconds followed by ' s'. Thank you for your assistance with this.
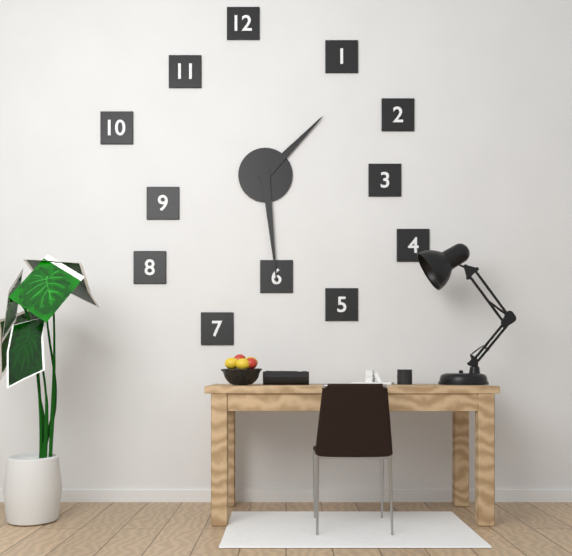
1 h 29 min
